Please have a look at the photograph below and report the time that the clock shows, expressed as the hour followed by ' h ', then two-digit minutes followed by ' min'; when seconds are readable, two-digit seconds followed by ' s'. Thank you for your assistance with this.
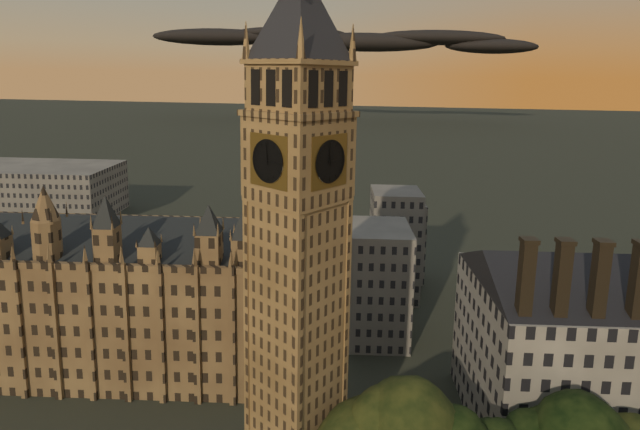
2 h 59 min
